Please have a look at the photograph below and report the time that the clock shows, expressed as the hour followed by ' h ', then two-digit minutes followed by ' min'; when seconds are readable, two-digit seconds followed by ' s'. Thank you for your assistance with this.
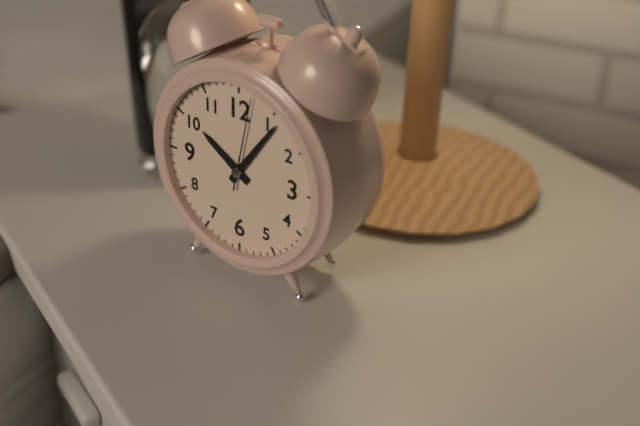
10 h 06 min 02 s
